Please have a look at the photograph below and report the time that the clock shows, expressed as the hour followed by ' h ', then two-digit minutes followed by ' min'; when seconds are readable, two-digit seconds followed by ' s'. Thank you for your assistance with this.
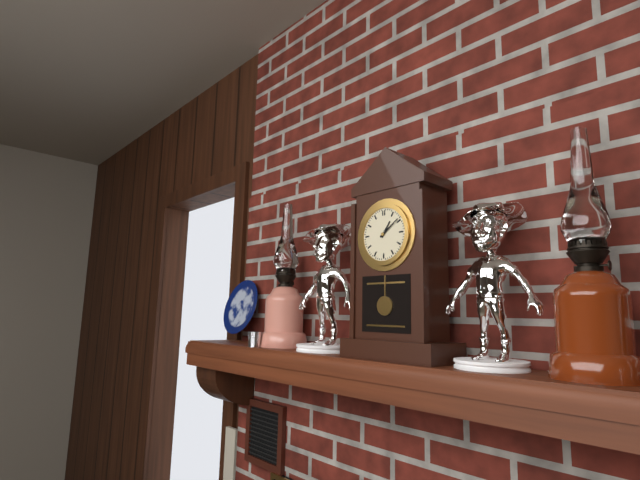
1 h 09 min
